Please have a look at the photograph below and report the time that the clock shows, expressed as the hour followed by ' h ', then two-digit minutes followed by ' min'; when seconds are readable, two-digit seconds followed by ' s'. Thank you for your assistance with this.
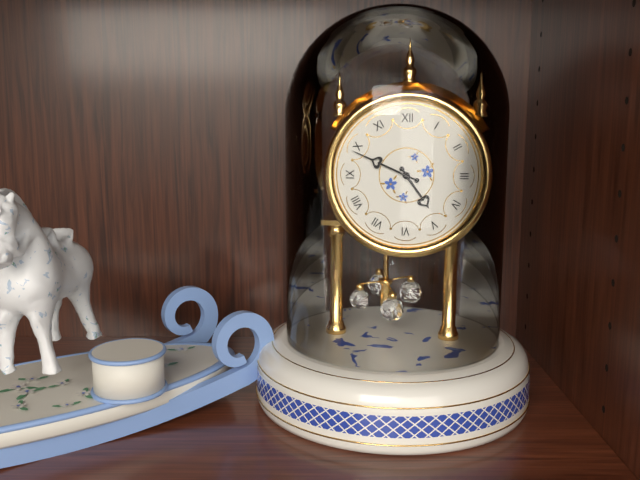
4 h 49 min
